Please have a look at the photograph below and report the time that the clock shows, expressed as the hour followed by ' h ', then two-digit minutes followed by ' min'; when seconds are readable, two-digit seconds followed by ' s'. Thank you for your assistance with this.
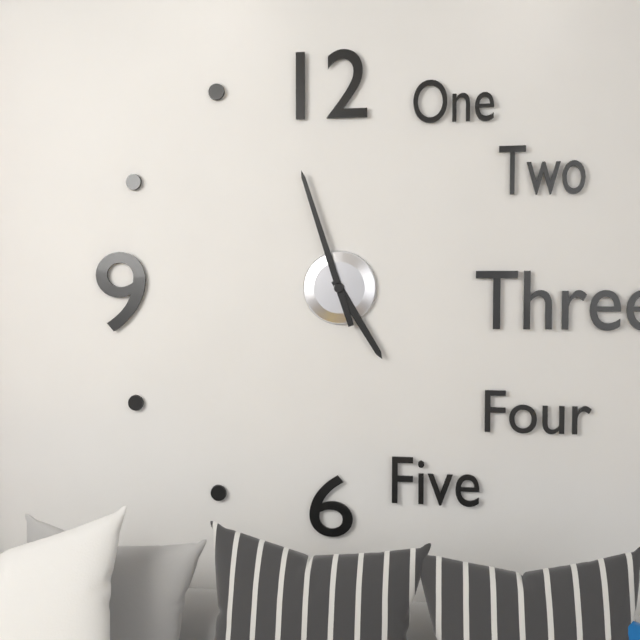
4 h 57 min
